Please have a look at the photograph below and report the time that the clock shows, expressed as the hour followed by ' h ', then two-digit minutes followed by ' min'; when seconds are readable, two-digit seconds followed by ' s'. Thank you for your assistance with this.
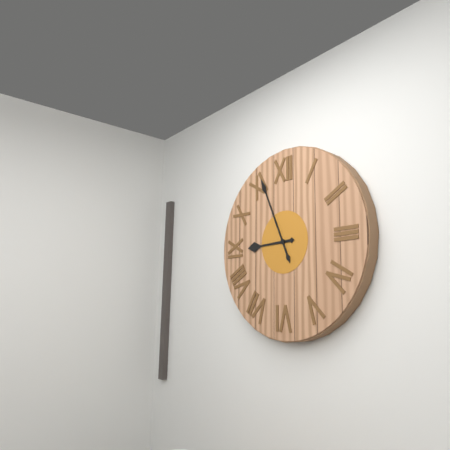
8 h 56 min
